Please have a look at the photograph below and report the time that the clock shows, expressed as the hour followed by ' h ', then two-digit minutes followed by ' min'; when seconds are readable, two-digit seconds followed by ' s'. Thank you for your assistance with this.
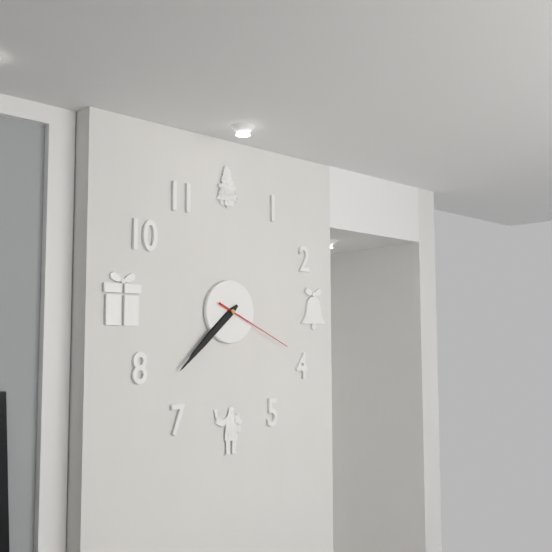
7 h 38 min 19 s
